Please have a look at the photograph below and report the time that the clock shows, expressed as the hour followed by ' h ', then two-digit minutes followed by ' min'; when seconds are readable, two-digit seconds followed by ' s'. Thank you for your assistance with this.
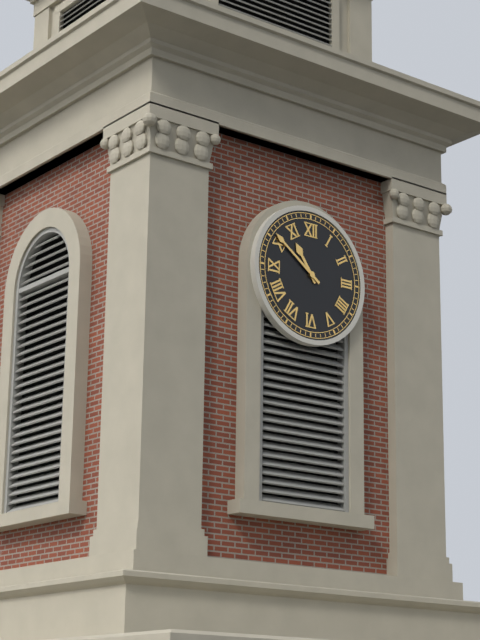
10 h 51 min
